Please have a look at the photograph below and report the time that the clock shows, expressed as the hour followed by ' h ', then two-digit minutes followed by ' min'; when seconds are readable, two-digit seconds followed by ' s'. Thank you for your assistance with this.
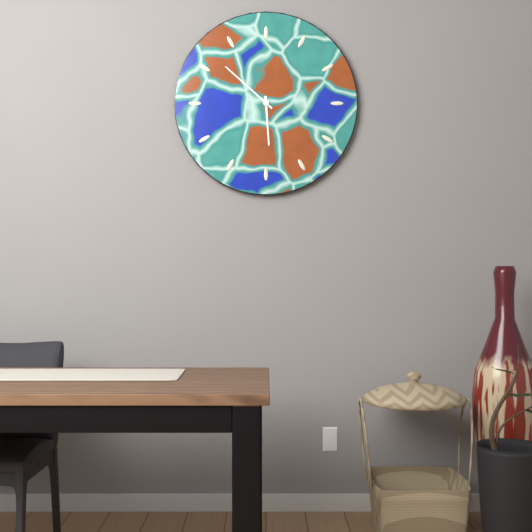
5 h 52 min
